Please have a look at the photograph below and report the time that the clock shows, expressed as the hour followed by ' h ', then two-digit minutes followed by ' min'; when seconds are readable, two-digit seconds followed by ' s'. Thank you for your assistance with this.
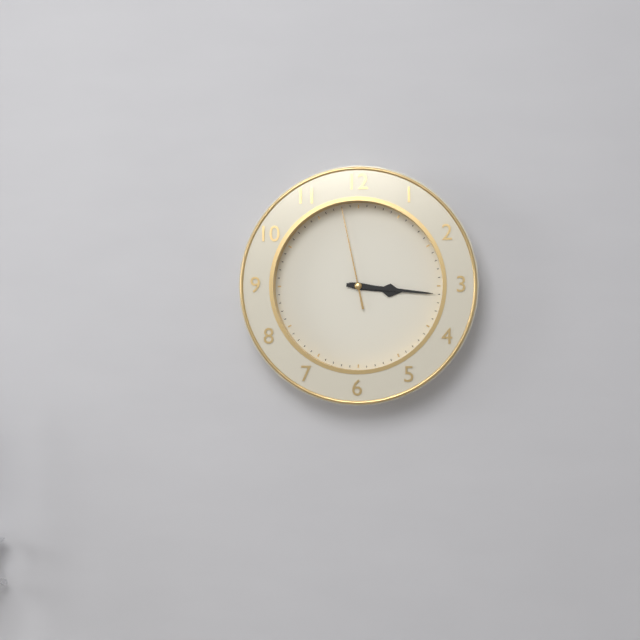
3 h 16 min 58 s
